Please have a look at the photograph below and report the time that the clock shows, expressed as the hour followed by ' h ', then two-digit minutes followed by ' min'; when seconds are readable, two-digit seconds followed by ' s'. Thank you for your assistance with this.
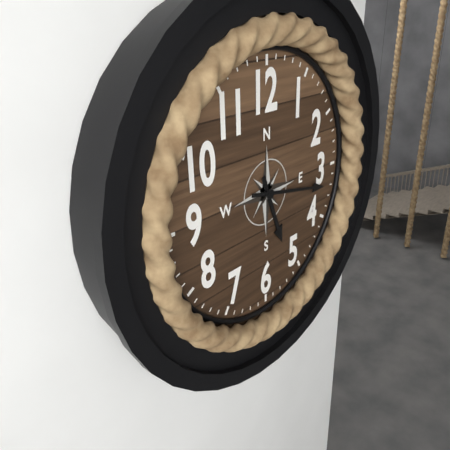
5 h 17 min
